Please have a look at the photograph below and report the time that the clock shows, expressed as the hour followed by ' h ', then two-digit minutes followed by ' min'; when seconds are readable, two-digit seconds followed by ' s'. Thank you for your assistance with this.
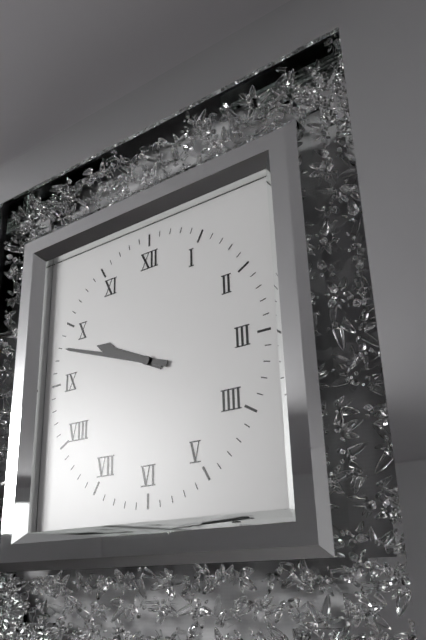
9 h 48 min
